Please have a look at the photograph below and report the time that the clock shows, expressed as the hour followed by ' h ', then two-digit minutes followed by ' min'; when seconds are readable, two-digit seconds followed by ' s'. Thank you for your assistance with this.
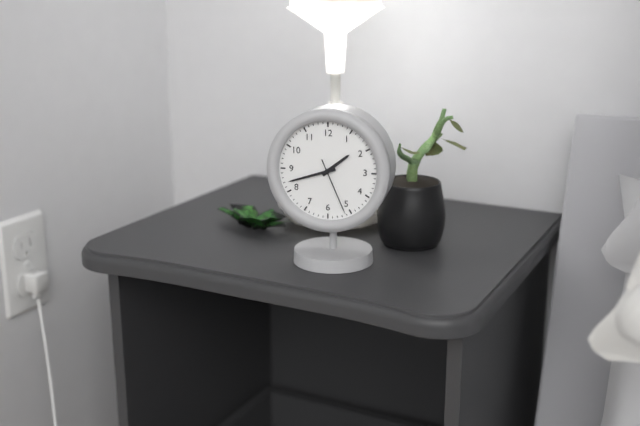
1 h 42 min 26 s
